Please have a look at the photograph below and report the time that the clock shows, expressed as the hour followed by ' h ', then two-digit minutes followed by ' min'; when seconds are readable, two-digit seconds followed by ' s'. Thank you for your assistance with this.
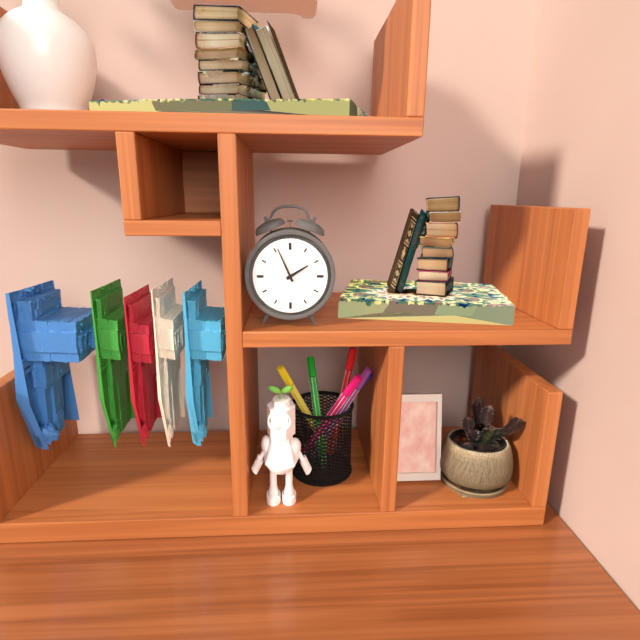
1 h 56 min
